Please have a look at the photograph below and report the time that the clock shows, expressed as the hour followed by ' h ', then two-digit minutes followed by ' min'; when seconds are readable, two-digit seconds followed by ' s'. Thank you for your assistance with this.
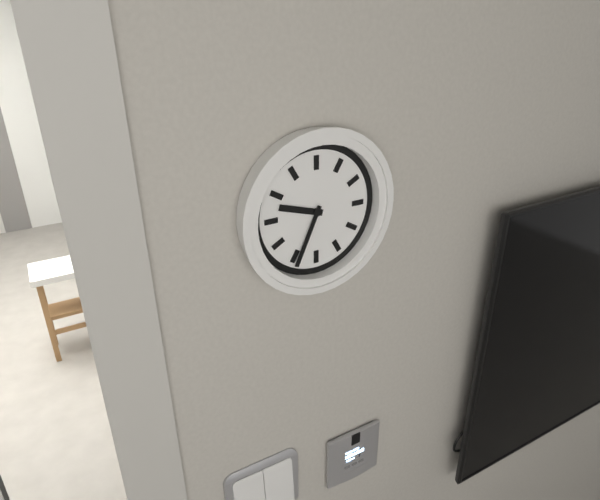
9 h 34 min
